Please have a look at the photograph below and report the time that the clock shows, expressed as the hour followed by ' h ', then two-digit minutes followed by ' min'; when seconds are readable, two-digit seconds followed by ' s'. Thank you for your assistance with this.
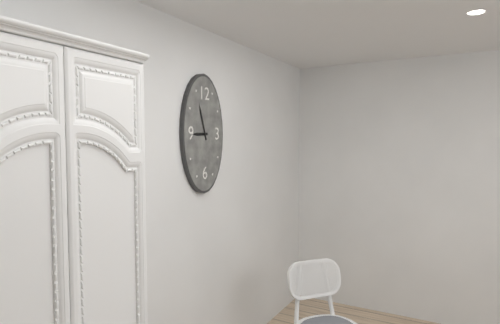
8 h 57 min
